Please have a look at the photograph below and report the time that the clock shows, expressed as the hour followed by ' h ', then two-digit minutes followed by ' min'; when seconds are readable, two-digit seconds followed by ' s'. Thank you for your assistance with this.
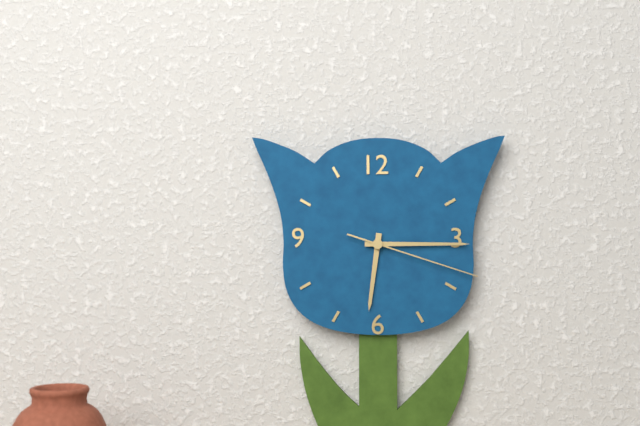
6 h 15 min 18 s
